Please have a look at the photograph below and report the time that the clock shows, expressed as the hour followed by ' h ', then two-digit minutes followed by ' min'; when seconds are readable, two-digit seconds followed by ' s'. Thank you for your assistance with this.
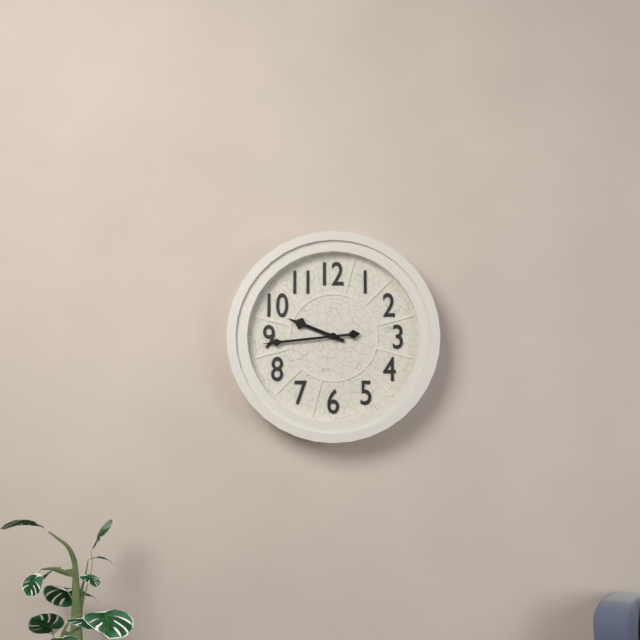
9 h 44 min
